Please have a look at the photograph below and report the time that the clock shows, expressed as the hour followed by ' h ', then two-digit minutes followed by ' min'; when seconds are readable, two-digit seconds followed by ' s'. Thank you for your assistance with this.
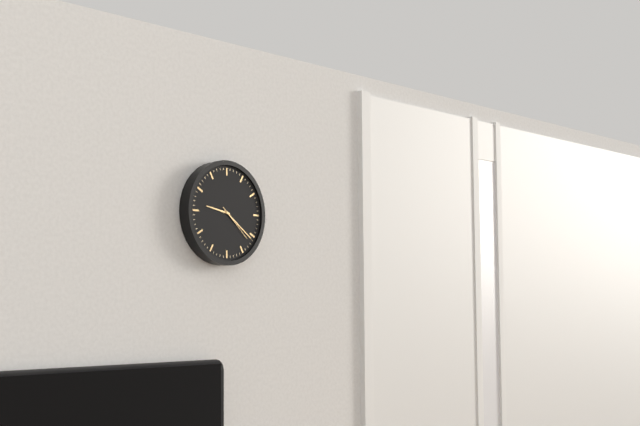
9 h 21 min
